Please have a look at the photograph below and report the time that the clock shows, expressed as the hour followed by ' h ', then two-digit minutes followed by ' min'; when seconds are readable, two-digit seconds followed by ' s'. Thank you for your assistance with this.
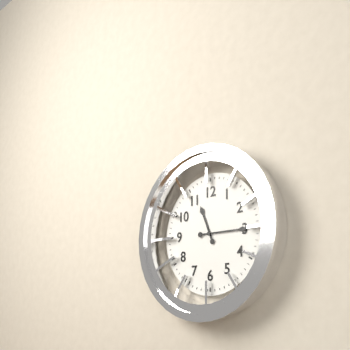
11 h 15 min
